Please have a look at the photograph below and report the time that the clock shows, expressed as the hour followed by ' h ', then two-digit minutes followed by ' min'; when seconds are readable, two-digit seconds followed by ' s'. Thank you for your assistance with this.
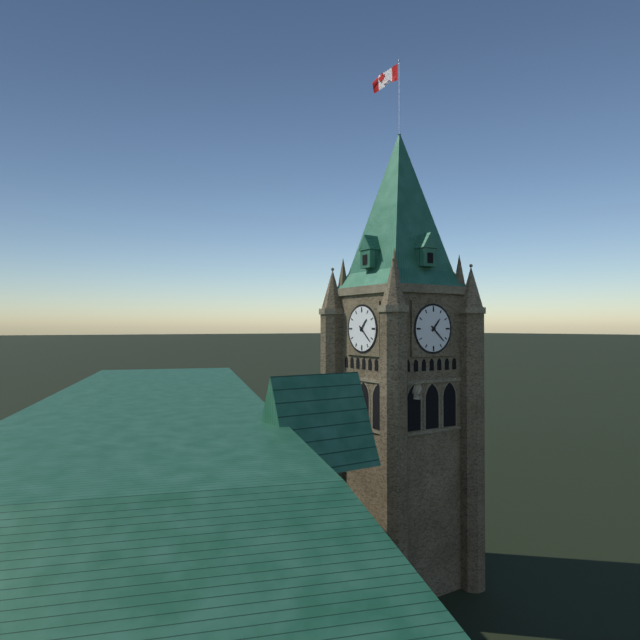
1 h 22 min
